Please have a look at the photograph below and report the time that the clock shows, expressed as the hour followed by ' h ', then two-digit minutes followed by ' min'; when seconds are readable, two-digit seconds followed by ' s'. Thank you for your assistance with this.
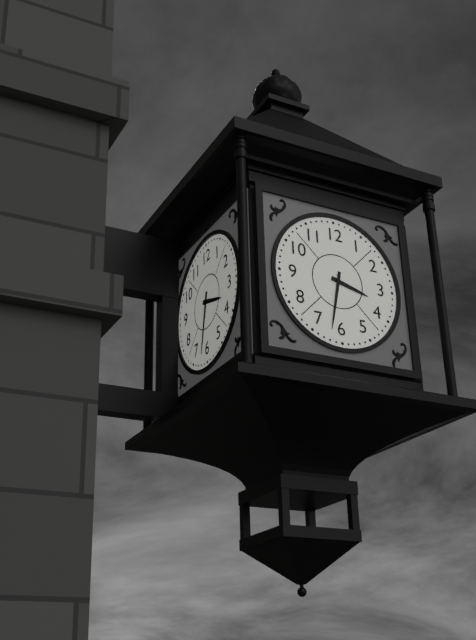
3 h 32 min
